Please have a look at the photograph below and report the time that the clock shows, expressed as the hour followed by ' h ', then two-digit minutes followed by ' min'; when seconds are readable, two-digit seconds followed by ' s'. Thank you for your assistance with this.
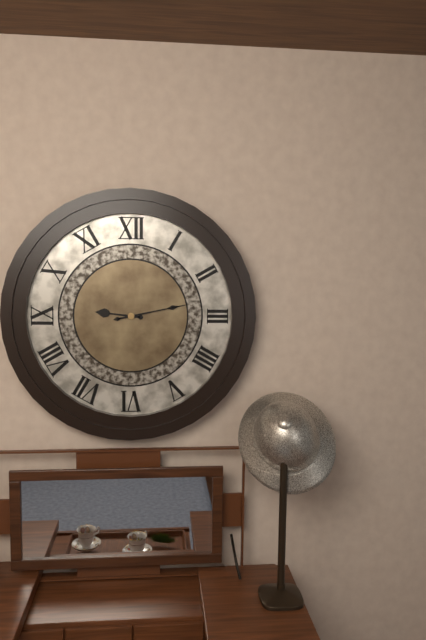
9 h 13 min
